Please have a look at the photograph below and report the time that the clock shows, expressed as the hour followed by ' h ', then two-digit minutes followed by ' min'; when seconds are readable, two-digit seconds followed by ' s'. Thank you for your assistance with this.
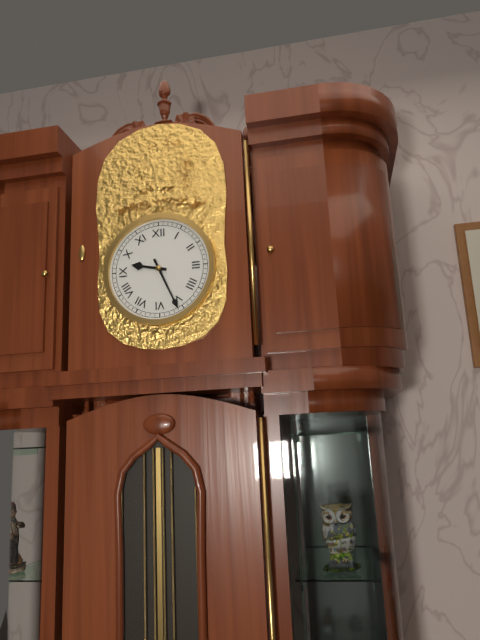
9 h 26 min
